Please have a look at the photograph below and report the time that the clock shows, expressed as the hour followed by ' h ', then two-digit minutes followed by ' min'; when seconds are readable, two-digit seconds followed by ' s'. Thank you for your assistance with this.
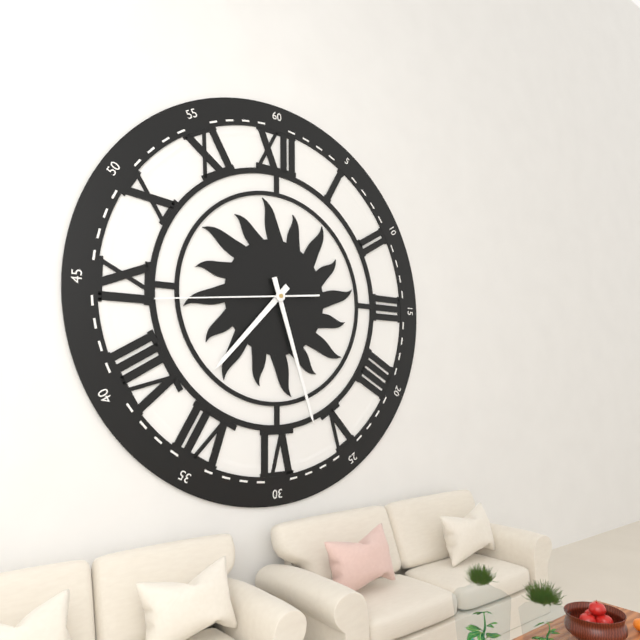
7 h 27 min 44 s
